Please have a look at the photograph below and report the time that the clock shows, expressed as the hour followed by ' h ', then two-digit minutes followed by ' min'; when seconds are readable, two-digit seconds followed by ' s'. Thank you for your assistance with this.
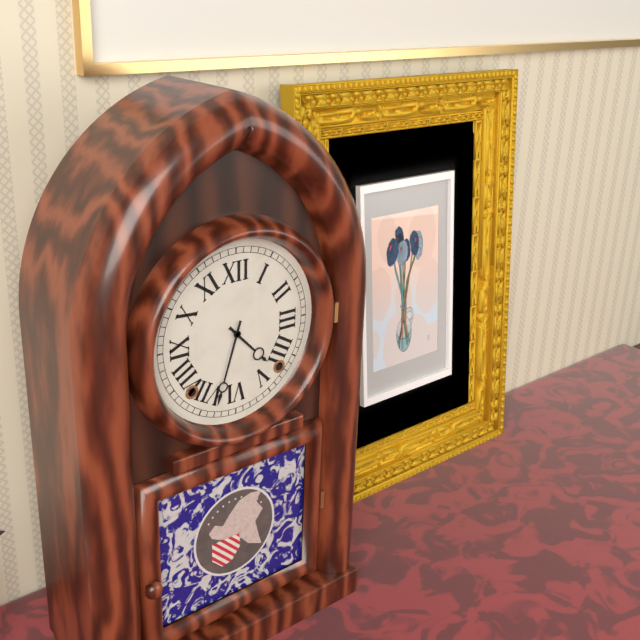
4 h 33 min
